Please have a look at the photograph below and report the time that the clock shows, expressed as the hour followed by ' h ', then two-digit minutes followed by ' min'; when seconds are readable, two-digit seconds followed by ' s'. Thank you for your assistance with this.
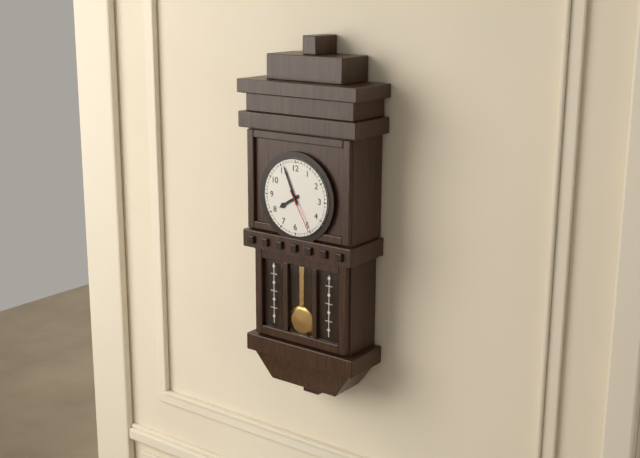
7 h 56 min
